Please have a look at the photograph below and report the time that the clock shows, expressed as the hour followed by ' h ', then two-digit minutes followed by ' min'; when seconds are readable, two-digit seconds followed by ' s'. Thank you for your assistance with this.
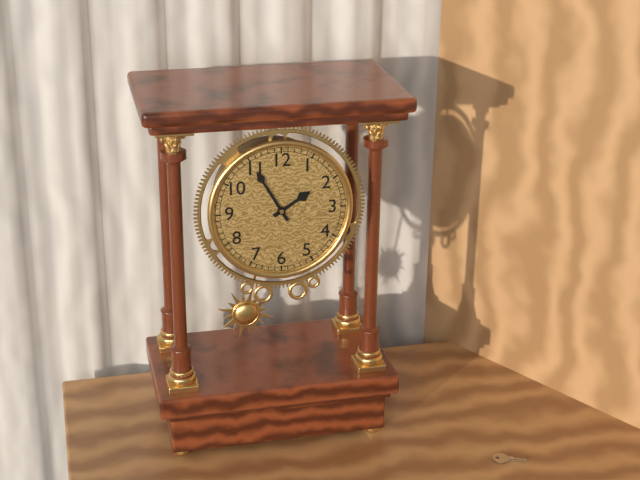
1 h 55 min
